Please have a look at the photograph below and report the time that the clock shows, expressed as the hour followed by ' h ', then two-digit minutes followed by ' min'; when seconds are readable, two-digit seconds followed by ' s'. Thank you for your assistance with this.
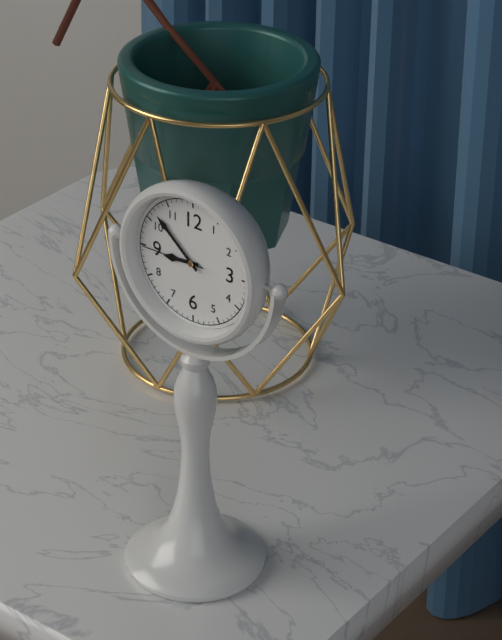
8 h 52 min 45 s
